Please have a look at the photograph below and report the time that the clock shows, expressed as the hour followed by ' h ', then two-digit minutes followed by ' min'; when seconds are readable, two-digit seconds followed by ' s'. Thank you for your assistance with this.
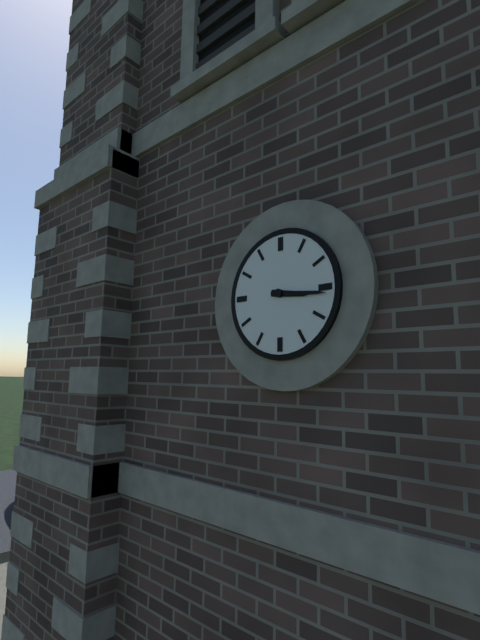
3 h 16 min
